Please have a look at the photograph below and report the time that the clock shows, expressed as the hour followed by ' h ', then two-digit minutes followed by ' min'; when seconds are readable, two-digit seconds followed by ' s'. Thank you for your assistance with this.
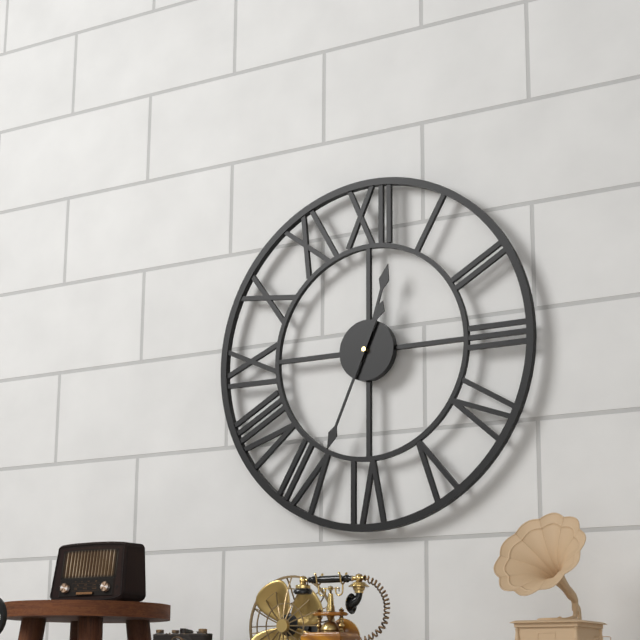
12 h 34 min
